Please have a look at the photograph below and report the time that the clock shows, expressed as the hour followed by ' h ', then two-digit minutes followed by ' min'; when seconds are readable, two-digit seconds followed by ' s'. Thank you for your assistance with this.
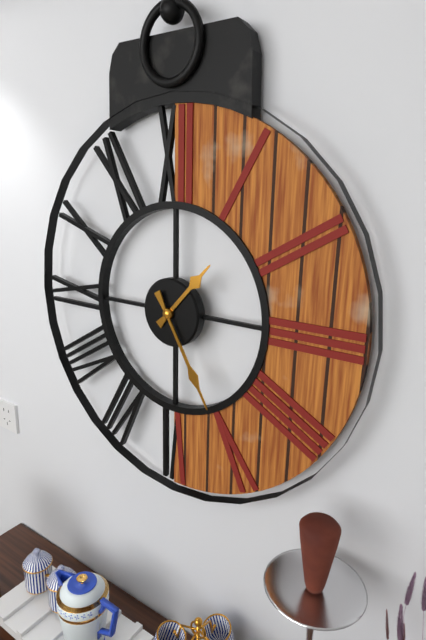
1 h 25 min
